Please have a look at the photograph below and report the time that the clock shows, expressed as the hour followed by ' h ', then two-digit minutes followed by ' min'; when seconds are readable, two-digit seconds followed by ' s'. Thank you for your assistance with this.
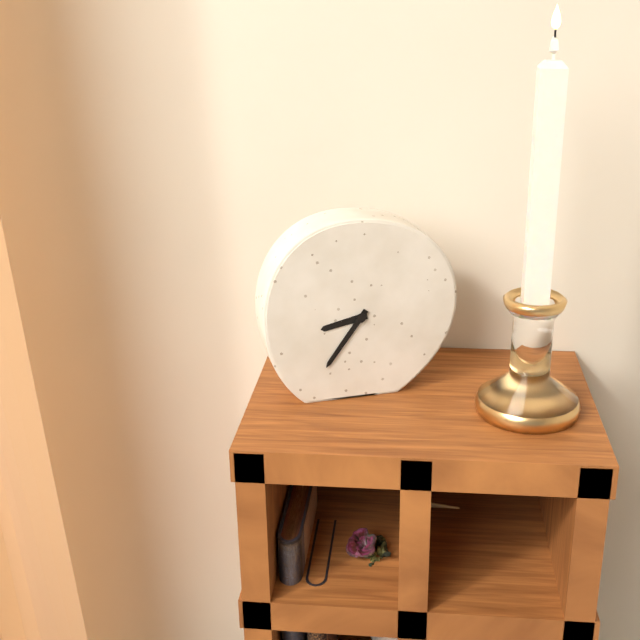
8 h 36 min
